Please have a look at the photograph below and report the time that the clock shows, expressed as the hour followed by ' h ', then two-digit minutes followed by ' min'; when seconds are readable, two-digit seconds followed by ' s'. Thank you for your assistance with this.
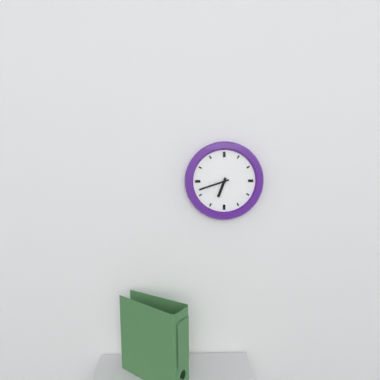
6 h 42 min
